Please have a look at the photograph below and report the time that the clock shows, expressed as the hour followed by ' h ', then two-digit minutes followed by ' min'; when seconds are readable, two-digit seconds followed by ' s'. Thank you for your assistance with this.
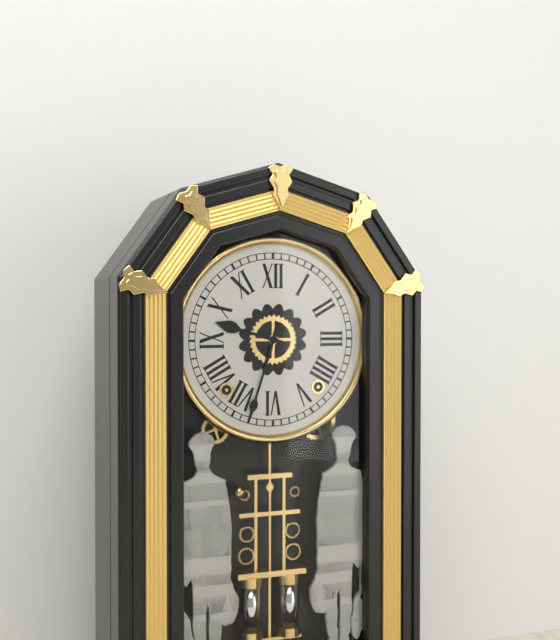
9 h 33 min
